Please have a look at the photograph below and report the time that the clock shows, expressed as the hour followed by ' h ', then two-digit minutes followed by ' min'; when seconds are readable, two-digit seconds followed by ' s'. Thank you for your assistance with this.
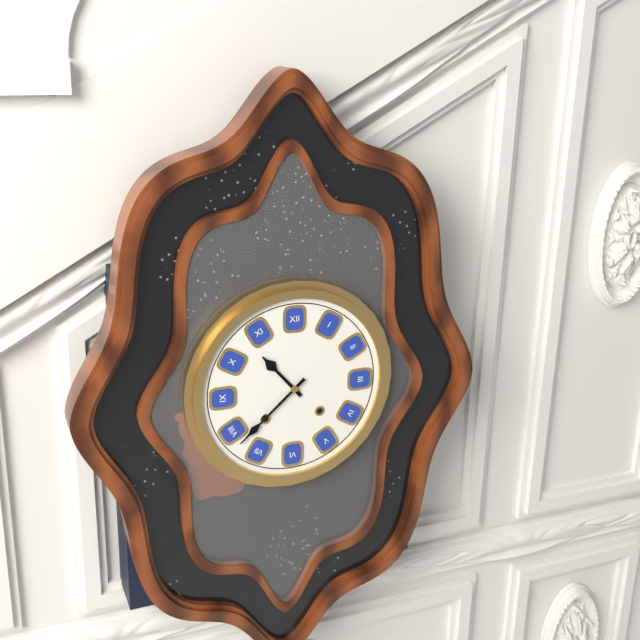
10 h 38 min
